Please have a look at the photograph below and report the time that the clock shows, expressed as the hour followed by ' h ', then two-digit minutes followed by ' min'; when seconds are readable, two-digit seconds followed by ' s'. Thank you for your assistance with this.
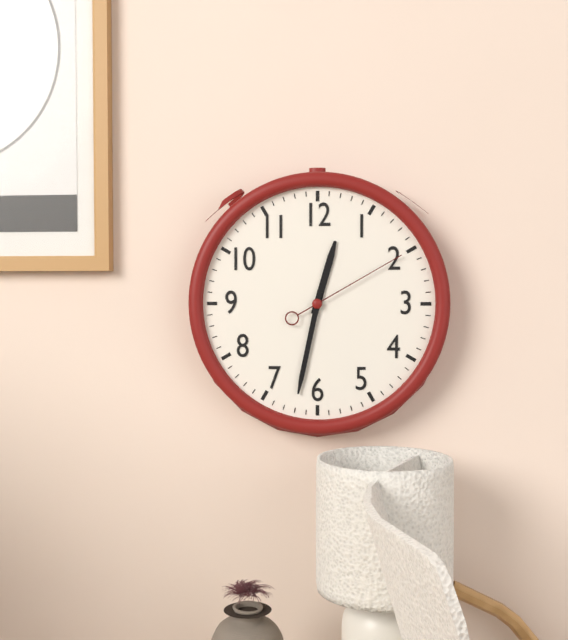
12 h 32 min 10 s
